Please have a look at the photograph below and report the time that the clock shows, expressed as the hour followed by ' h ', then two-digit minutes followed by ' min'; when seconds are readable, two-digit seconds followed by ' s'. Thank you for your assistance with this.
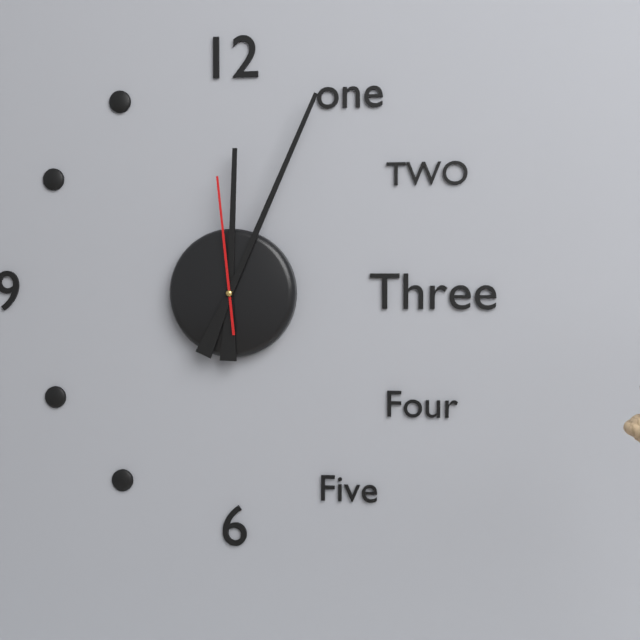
12 h 04 min 59 s
